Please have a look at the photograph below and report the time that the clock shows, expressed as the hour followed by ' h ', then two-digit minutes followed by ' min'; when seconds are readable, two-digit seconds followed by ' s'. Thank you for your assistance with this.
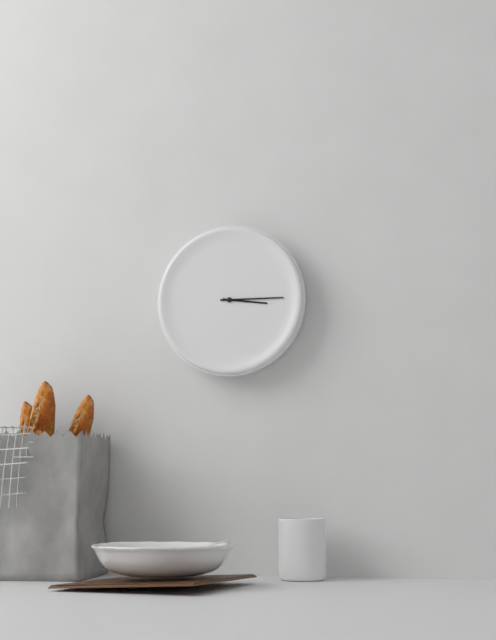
3 h 15 min
